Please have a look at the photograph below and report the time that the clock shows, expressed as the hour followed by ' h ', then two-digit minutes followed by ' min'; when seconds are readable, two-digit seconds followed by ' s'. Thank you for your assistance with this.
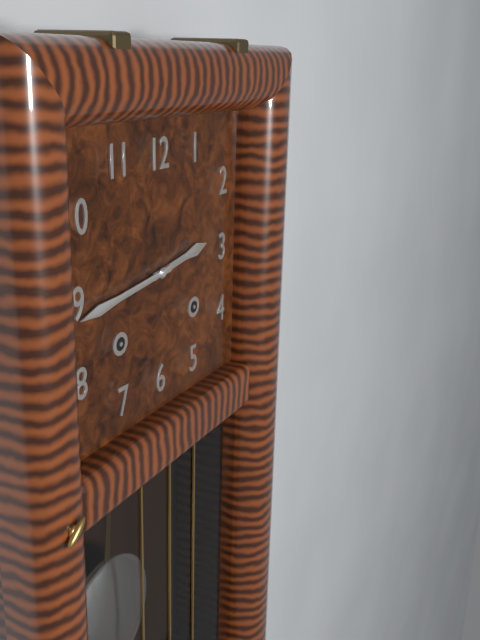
2 h 44 min
